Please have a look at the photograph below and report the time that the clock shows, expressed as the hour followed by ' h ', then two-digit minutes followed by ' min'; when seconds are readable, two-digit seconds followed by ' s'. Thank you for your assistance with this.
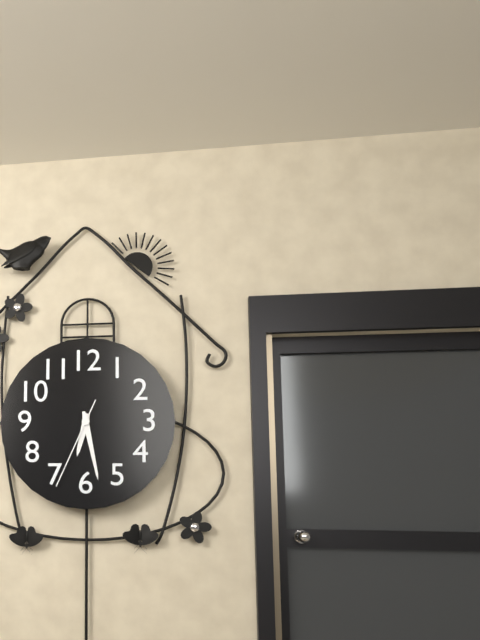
6 h 28 min 34 s
